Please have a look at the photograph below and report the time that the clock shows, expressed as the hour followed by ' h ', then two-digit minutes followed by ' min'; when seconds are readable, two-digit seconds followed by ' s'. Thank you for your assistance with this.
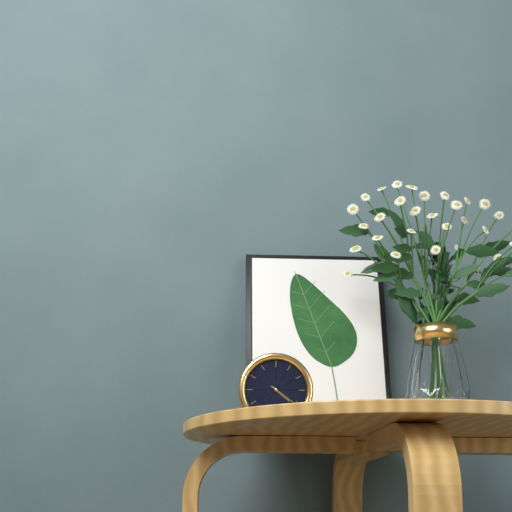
4 h 21 min
